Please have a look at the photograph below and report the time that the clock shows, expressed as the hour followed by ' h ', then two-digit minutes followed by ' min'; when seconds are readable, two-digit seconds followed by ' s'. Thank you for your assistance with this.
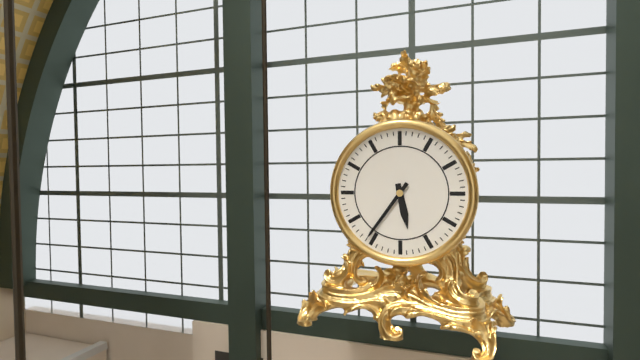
5 h 36 min
